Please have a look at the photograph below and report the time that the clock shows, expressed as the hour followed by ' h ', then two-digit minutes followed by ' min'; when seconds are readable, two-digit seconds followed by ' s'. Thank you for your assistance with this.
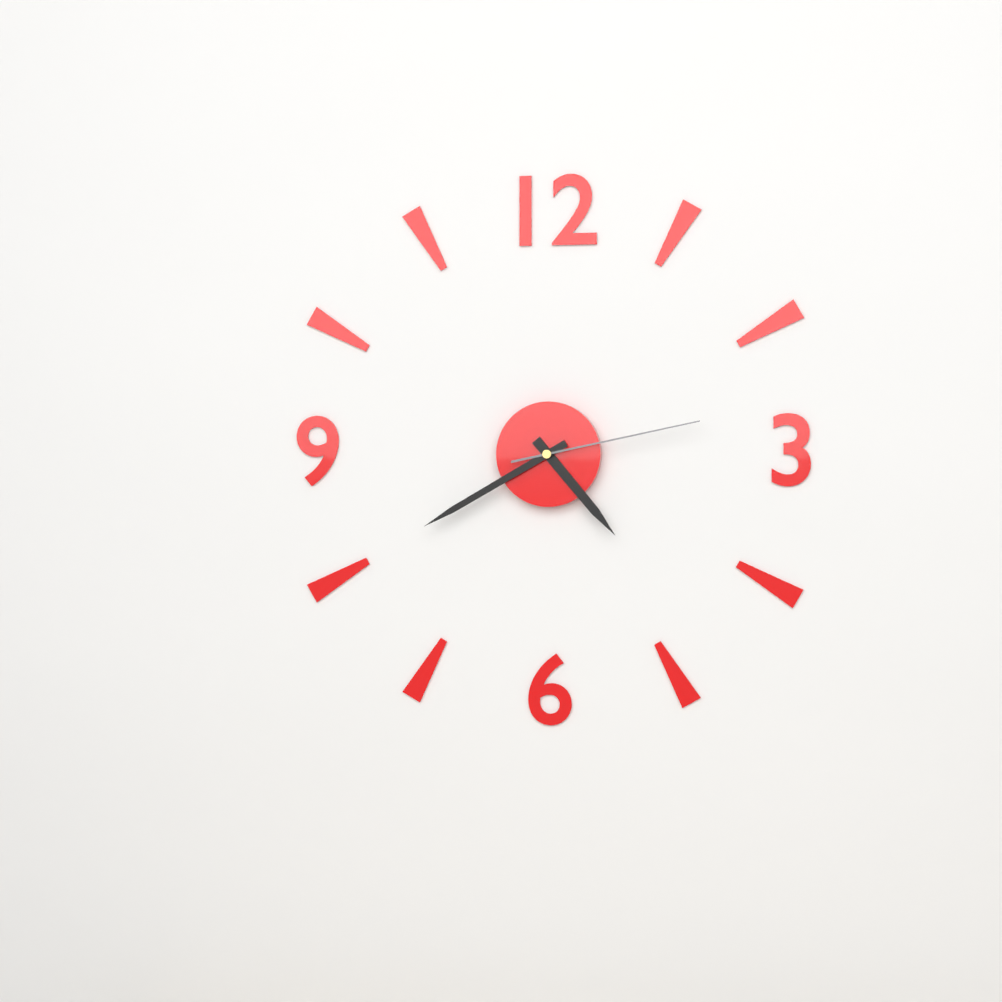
4 h 40 min 13 s
